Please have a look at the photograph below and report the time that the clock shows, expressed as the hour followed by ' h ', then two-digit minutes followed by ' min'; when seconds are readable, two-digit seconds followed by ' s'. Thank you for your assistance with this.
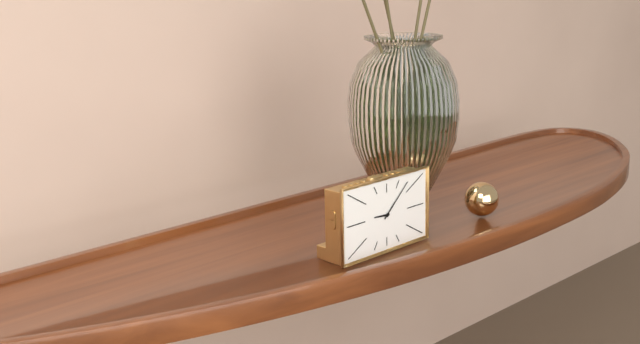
9 h 08 min
